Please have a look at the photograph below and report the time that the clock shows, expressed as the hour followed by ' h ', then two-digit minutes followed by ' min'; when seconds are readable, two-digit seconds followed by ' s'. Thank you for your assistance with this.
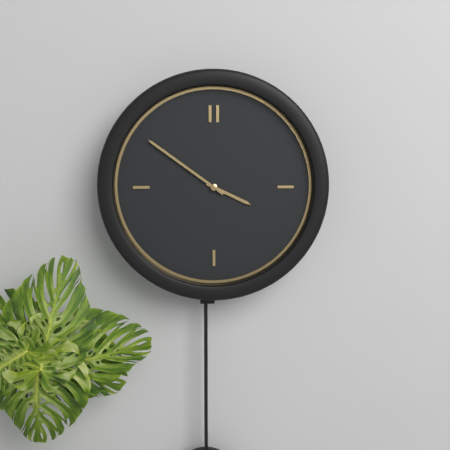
3 h 51 min
